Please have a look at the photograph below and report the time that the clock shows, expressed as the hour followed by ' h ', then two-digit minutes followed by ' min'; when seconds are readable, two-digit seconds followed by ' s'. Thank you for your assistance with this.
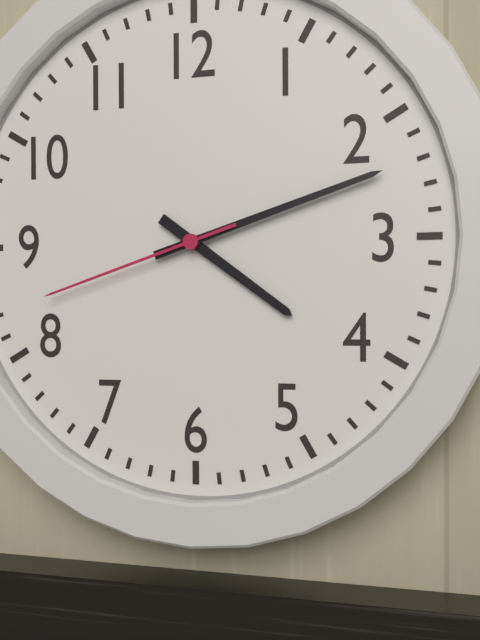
4 h 12 min 42 s
